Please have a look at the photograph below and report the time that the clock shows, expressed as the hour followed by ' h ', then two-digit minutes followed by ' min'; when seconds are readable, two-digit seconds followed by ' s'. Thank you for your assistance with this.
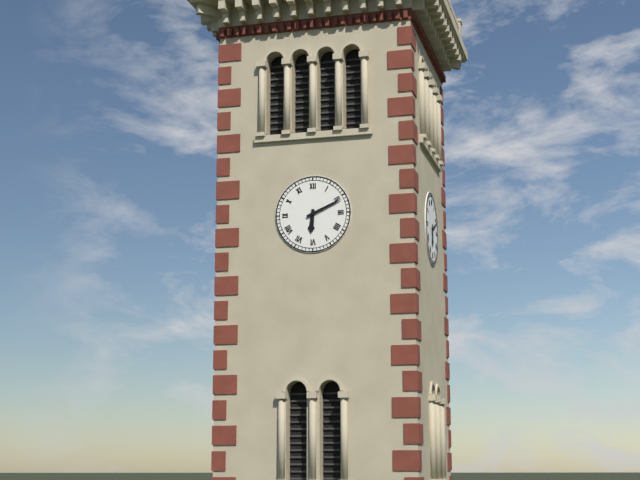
6 h 11 min
